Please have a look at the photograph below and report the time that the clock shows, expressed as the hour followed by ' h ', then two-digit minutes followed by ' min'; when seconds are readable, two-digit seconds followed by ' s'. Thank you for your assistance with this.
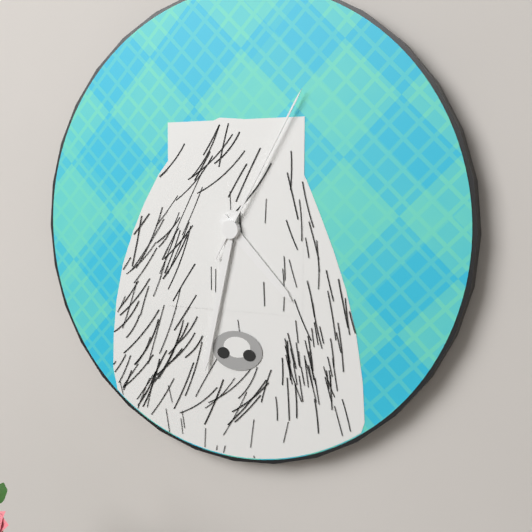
4 h 32 min 05 s
